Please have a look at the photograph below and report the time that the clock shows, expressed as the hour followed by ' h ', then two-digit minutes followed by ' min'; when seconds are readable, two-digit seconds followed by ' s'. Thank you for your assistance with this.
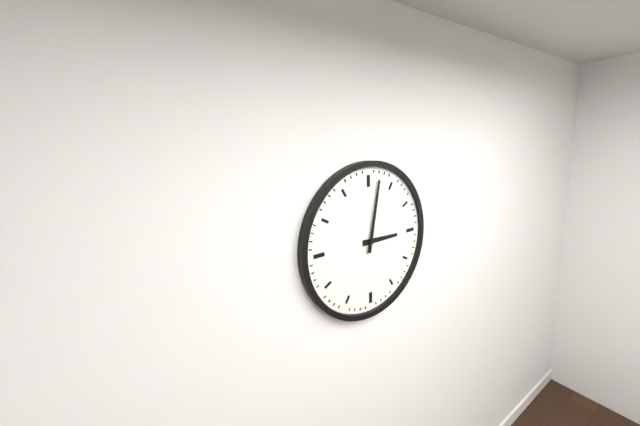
3 h 02 min
